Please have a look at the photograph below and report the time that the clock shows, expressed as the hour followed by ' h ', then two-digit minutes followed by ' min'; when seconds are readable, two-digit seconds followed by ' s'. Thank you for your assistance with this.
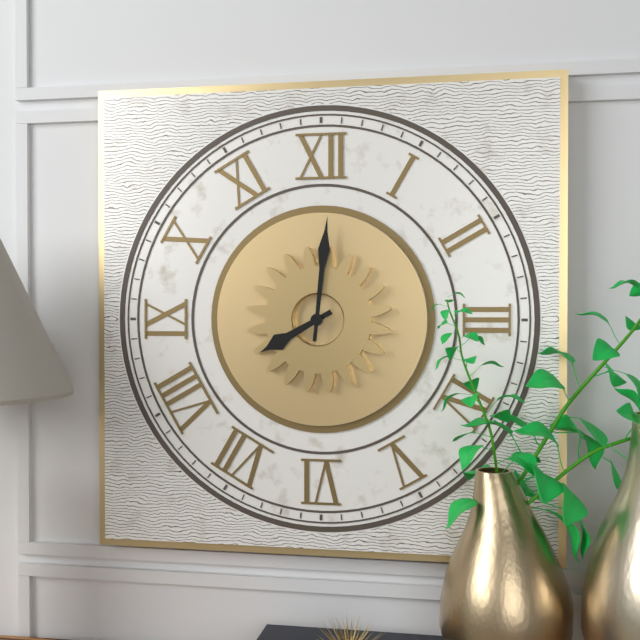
8 h 01 min
